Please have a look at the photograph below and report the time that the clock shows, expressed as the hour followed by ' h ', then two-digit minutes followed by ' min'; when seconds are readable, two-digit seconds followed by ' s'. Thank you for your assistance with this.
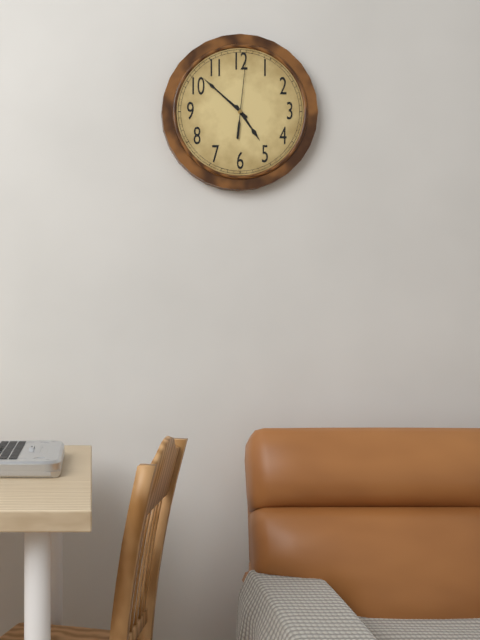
4 h 52 min 01 s
